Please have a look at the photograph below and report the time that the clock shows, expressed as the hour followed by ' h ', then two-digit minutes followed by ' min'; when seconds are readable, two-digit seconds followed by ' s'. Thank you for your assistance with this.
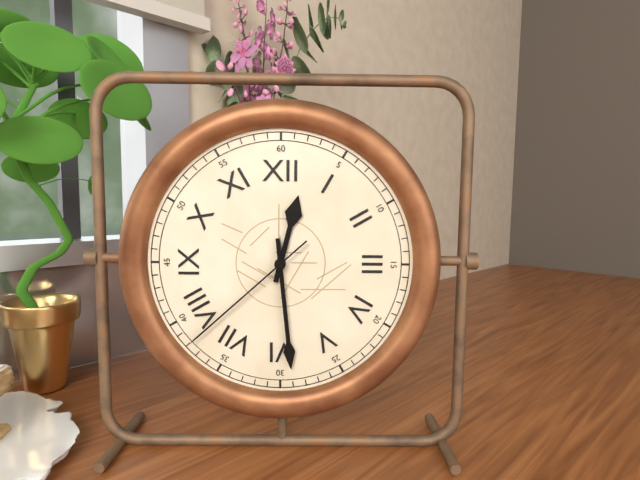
12 h 29 min 38 s
